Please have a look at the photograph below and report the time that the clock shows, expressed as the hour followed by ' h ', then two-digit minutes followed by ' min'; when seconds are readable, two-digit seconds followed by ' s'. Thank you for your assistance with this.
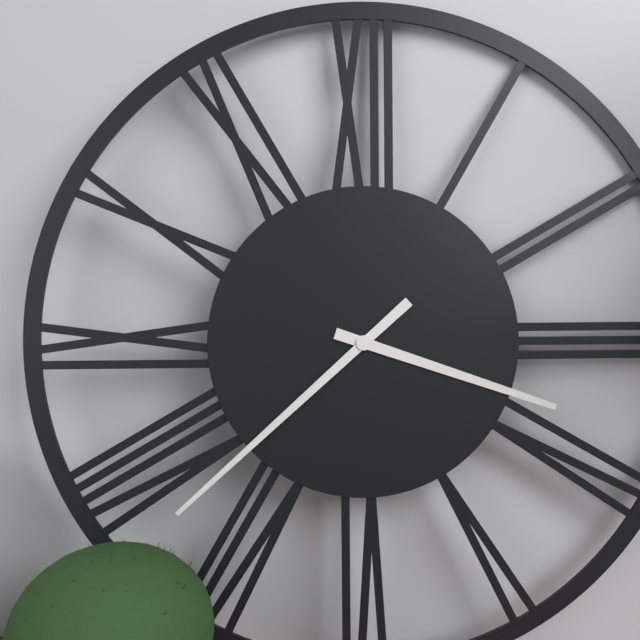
3 h 38 min
